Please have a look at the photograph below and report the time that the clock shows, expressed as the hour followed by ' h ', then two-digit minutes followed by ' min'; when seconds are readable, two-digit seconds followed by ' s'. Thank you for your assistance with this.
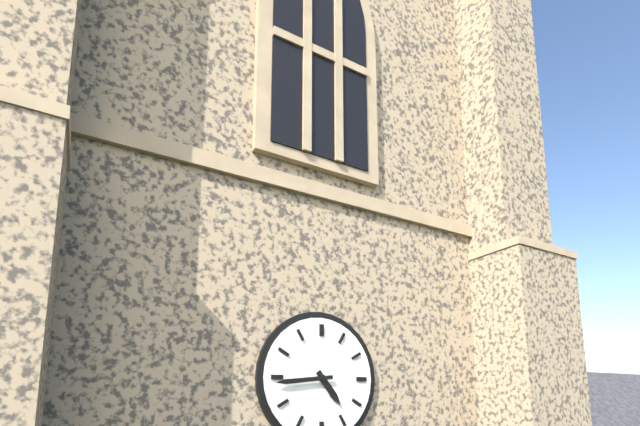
4 h 44 min
